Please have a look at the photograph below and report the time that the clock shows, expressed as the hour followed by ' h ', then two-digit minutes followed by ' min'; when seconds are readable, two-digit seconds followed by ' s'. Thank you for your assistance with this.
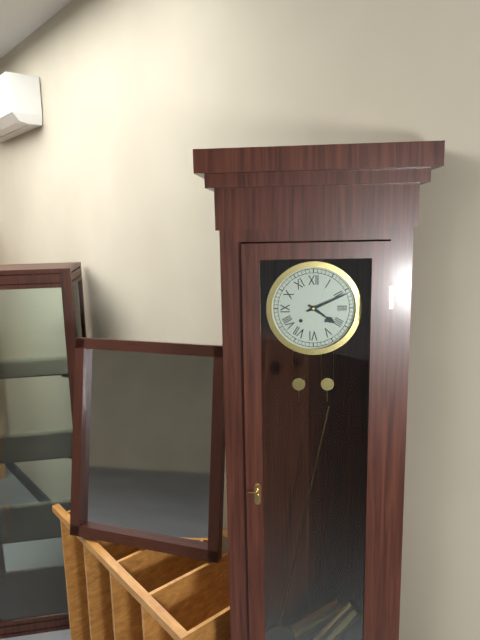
4 h 11 min
